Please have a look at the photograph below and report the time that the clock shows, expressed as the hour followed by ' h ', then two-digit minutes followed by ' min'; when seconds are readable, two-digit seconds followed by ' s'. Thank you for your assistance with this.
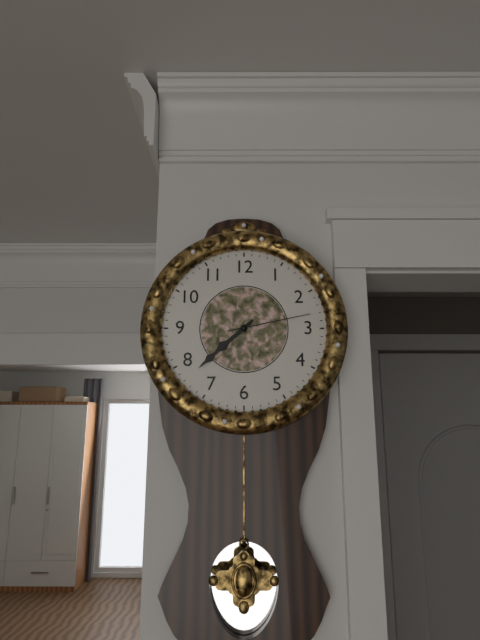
7 h 38 min 13 s
